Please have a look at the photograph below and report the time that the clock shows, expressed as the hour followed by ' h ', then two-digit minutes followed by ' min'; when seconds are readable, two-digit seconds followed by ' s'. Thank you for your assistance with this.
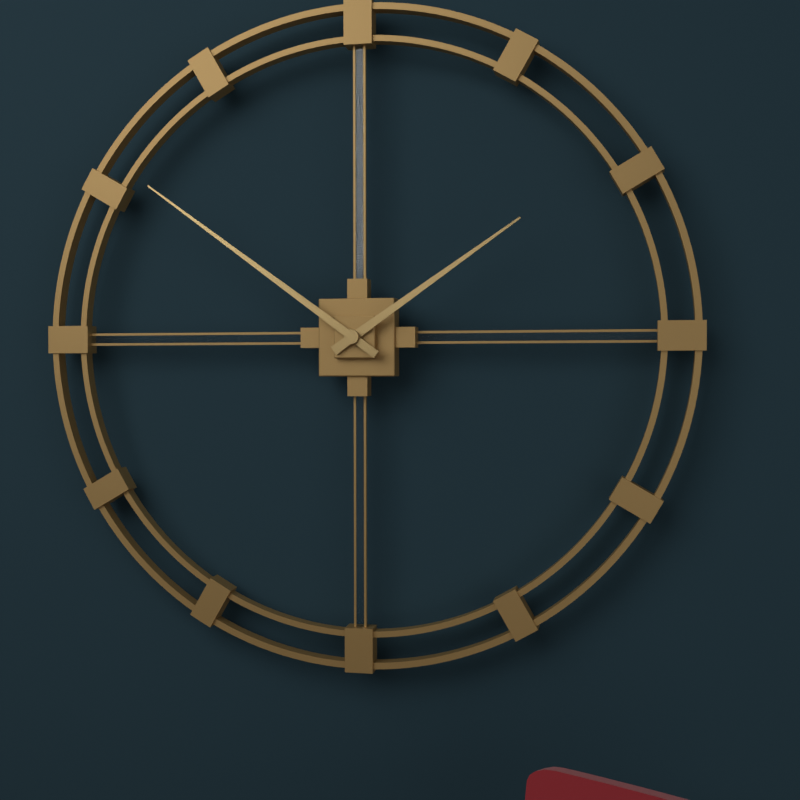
1 h 51 min
